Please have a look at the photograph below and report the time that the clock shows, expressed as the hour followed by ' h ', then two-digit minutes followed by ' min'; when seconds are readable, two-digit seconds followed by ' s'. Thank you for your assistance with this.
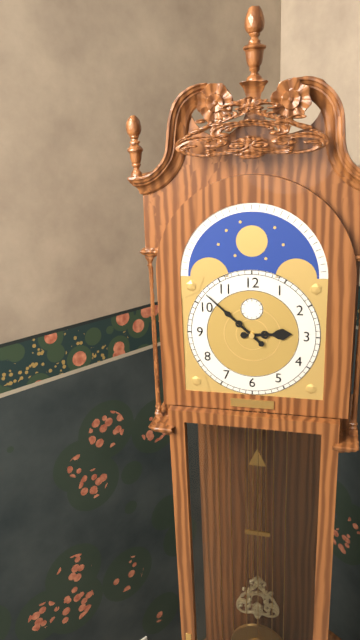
2 h 52 min
